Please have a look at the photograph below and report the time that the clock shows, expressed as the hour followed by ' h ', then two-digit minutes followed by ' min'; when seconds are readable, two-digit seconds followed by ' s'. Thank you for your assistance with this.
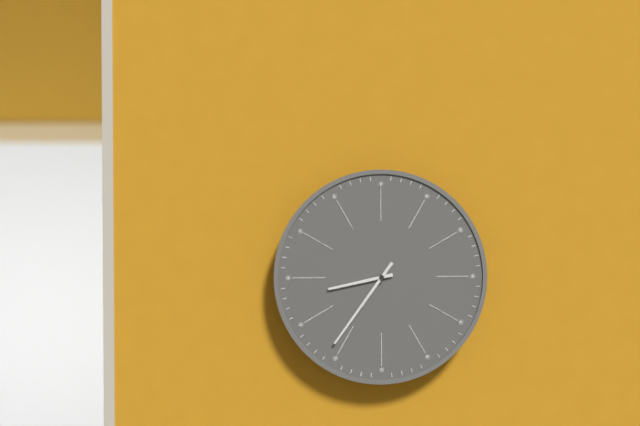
8 h 36 min
